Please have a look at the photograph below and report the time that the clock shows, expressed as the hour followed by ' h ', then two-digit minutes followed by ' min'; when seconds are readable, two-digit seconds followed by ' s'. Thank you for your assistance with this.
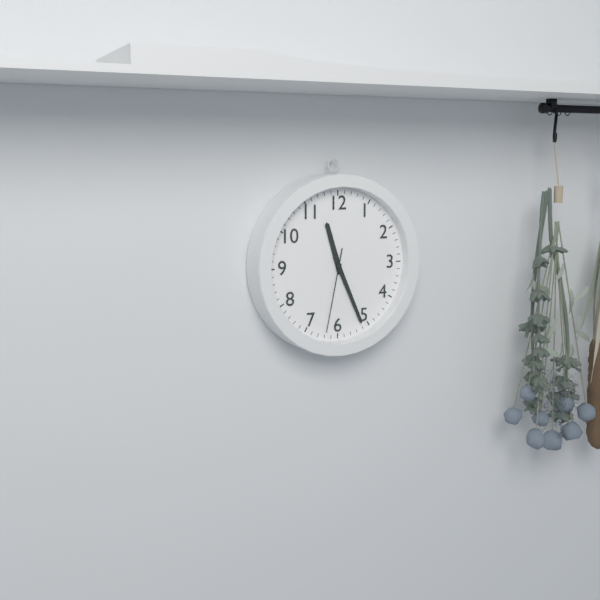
11 h 26 min 32 s
